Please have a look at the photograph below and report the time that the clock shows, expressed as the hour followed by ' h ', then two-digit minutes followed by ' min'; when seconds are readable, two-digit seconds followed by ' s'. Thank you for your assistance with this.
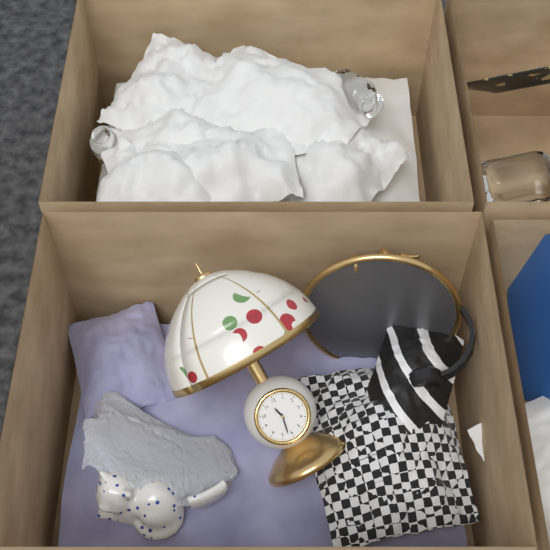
11 h 32 min
